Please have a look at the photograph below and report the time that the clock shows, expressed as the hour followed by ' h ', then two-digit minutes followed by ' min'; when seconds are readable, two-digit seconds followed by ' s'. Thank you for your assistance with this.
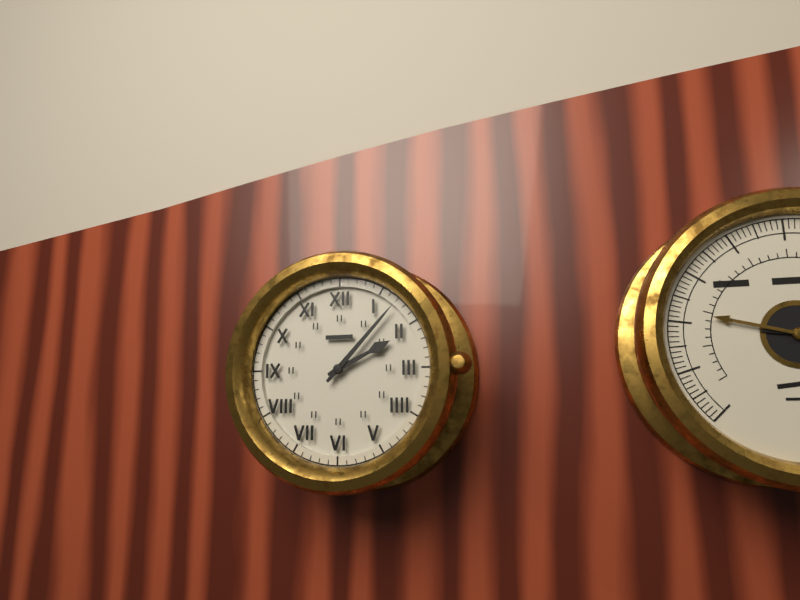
2 h 07 min
